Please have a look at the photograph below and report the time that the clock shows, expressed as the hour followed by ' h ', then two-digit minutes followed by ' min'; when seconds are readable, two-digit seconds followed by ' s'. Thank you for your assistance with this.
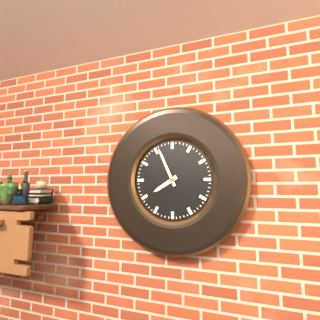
7 h 56 min
